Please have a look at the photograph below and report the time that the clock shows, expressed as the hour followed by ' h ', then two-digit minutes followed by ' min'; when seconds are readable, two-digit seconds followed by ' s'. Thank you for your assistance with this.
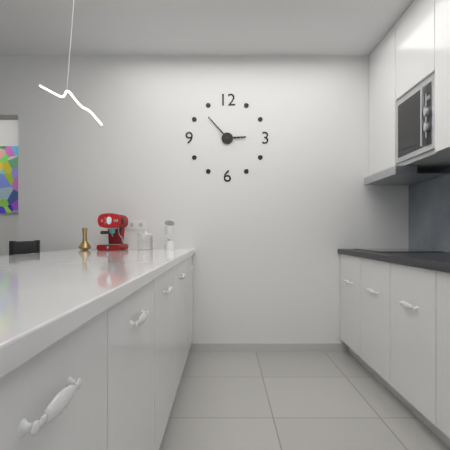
2 h 53 min
